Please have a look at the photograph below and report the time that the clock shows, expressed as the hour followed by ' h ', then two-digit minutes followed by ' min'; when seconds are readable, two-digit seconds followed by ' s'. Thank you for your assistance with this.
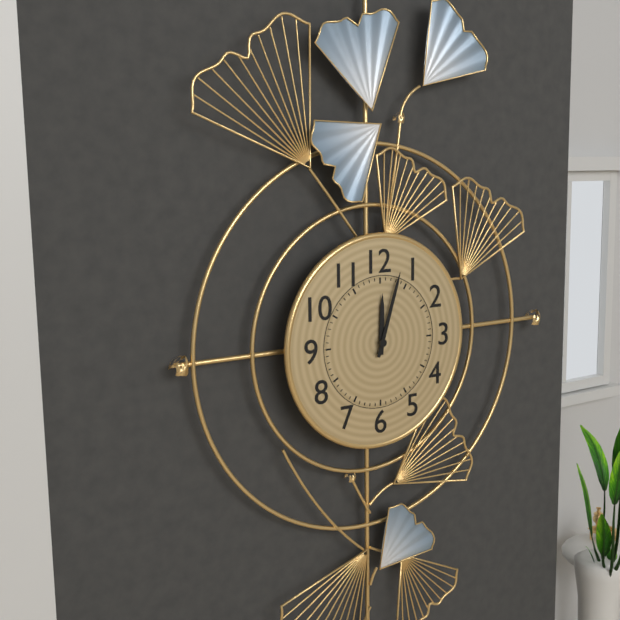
12 h 03 min
